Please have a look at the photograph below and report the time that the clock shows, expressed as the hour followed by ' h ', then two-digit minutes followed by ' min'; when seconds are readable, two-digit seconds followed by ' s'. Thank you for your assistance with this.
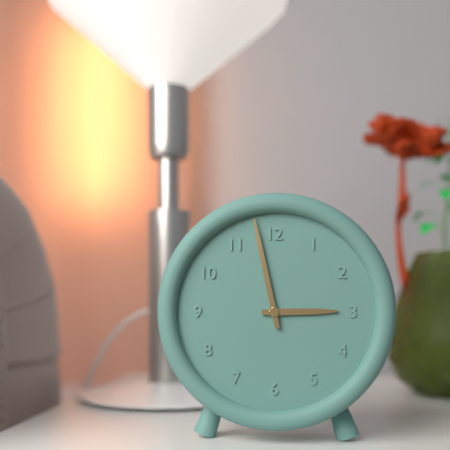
2 h 58 min
